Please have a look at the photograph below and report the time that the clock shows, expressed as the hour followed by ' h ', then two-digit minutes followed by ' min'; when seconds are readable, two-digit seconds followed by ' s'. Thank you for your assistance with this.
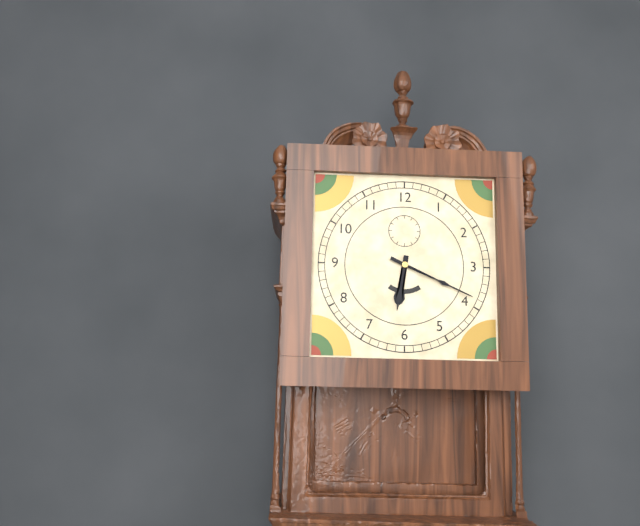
6 h 19 min
